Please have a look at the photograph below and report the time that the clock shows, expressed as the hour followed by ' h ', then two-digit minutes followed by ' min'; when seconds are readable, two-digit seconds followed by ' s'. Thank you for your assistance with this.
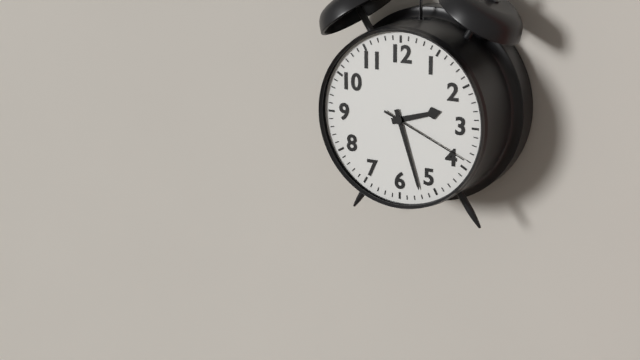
2 h 27 min 19 s
